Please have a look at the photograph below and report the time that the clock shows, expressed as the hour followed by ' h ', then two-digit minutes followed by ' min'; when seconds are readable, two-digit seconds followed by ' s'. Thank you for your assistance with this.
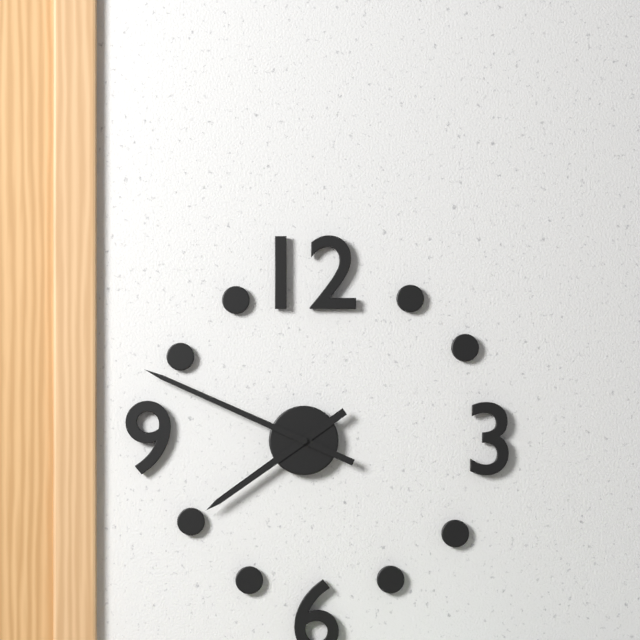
7 h 49 min
